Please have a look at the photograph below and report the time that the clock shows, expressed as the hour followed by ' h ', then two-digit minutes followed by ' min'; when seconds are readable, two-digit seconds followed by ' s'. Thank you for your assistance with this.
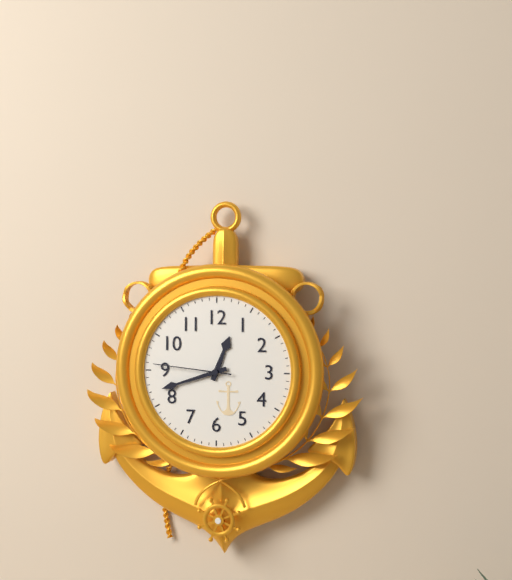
12 h 42 min 46 s
